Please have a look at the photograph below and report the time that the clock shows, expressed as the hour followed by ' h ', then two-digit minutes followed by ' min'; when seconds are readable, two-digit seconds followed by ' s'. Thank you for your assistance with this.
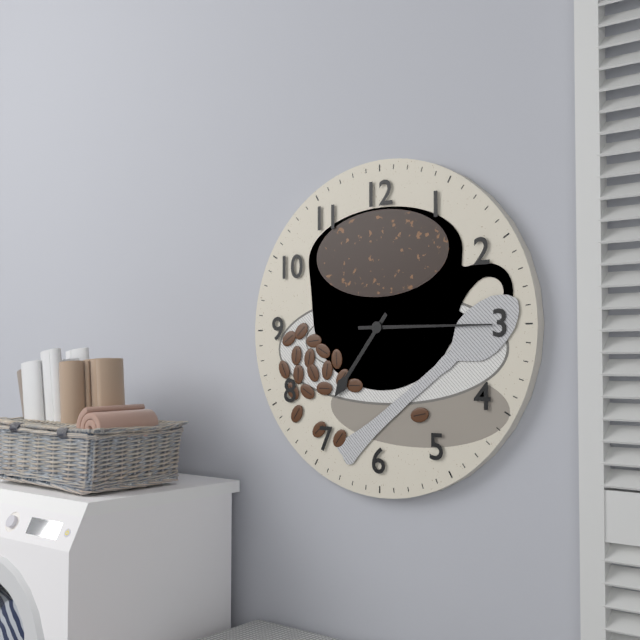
7 h 15 min
